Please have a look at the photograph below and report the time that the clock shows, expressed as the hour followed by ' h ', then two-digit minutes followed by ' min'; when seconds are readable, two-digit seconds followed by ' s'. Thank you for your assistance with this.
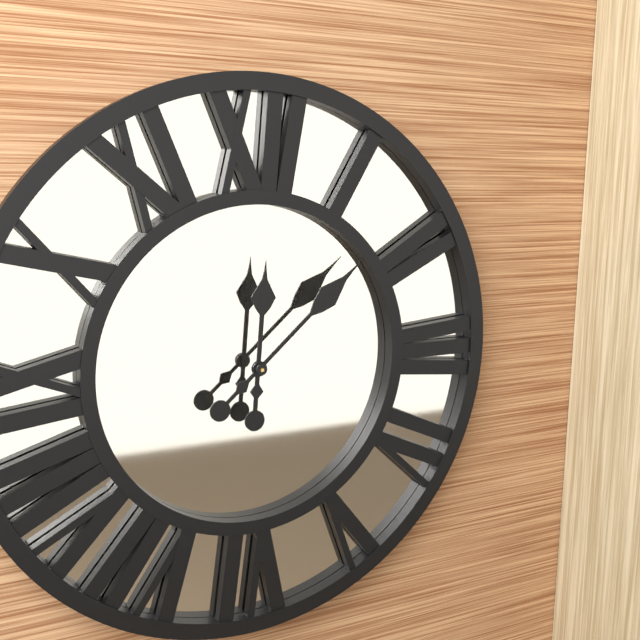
12 h 08 min
